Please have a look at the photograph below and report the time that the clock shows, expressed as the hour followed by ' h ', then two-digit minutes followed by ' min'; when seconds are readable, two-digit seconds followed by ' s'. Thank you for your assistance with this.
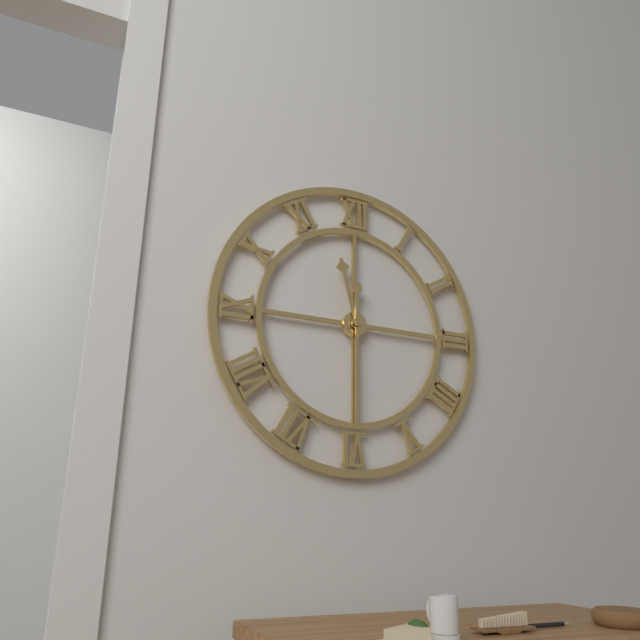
11 h 30 min
